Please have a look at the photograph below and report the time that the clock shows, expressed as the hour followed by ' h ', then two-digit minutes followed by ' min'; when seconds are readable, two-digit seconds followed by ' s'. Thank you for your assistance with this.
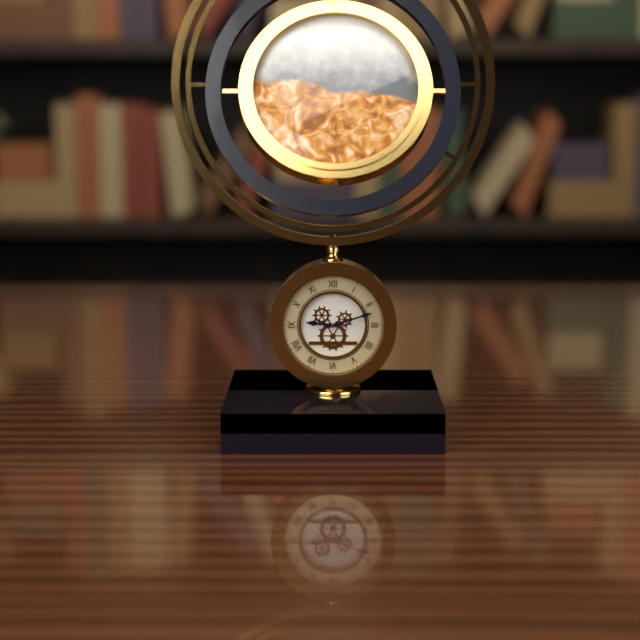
9 h 12 min
